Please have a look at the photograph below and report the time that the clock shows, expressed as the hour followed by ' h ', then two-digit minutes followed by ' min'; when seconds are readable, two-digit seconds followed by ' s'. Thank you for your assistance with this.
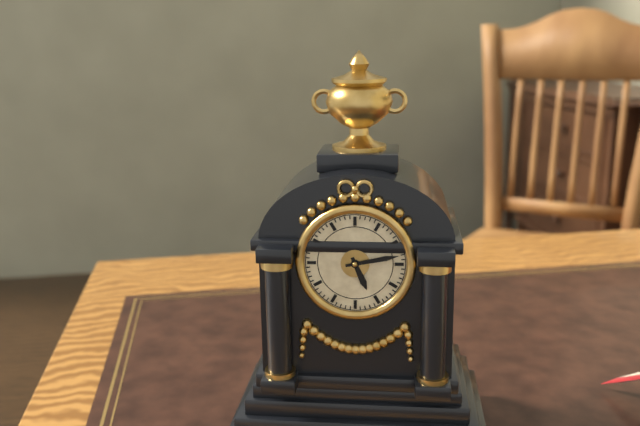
5 h 13 min
